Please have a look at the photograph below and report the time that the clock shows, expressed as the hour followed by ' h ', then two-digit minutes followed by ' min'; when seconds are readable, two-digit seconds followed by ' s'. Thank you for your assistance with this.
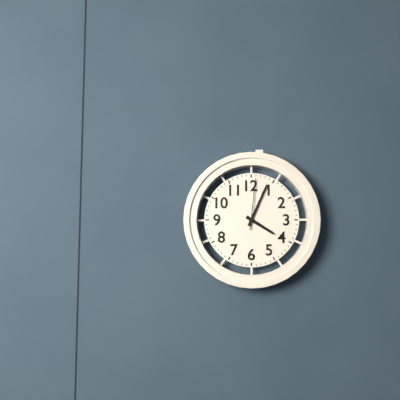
4 h 04 min 01 s
